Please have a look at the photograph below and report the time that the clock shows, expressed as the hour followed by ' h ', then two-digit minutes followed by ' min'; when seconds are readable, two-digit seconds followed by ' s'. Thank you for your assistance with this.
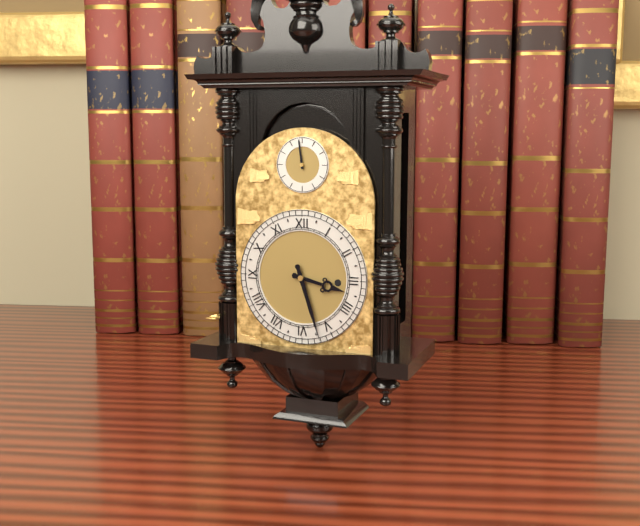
3 h 27 min
